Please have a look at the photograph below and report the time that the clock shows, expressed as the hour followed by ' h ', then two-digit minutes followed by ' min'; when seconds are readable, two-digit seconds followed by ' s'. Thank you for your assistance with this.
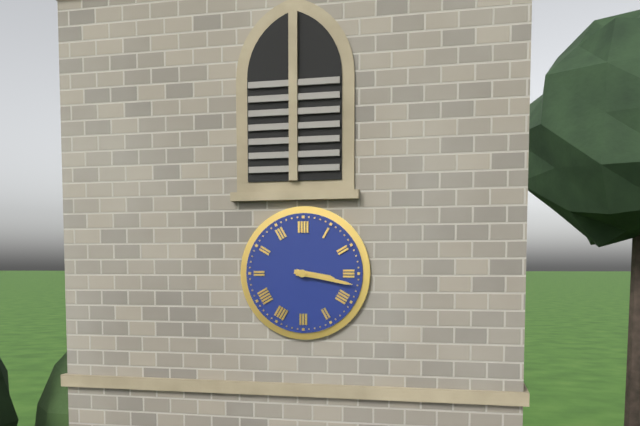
3 h 17 min
